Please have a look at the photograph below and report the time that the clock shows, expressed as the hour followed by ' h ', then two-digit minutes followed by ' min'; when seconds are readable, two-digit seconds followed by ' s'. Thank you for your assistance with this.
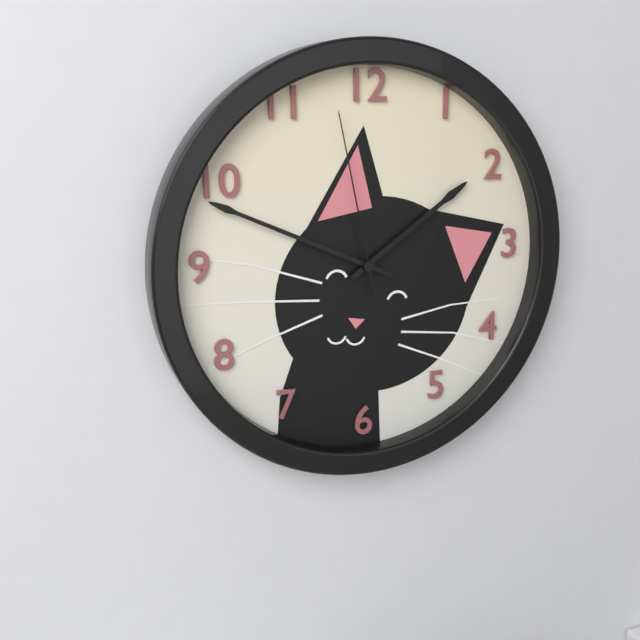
1 h 49 min 58 s
